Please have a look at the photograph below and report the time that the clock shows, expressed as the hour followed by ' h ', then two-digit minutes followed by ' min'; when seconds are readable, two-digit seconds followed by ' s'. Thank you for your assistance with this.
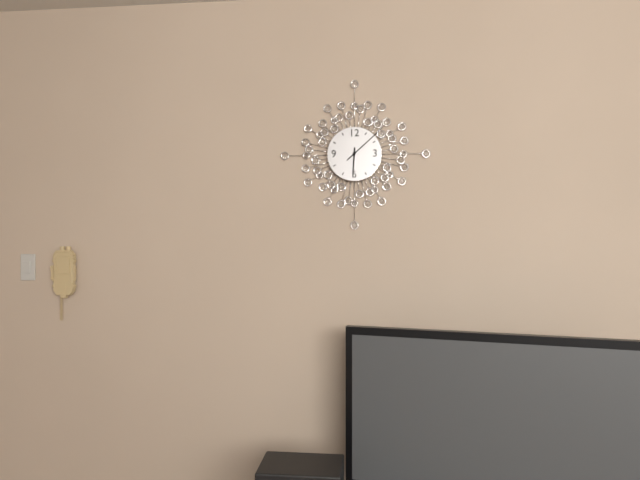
6 h 08 min
